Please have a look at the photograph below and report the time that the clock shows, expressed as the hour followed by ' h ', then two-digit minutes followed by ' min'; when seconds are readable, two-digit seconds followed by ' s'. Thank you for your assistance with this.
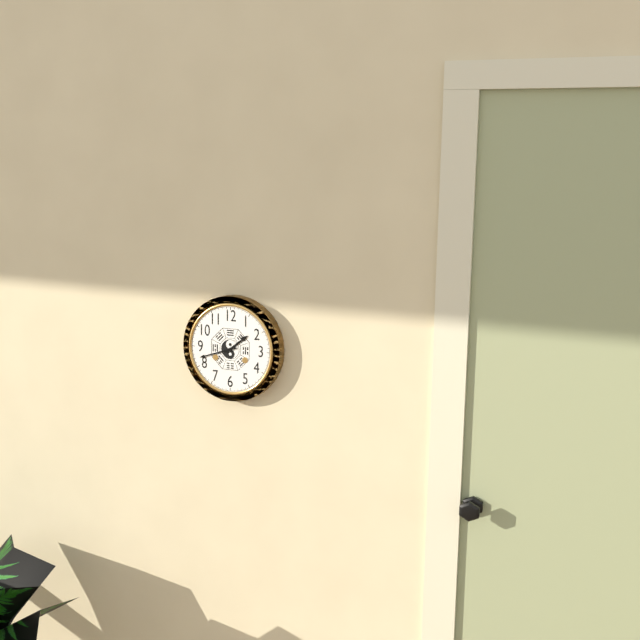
1 h 42 min
